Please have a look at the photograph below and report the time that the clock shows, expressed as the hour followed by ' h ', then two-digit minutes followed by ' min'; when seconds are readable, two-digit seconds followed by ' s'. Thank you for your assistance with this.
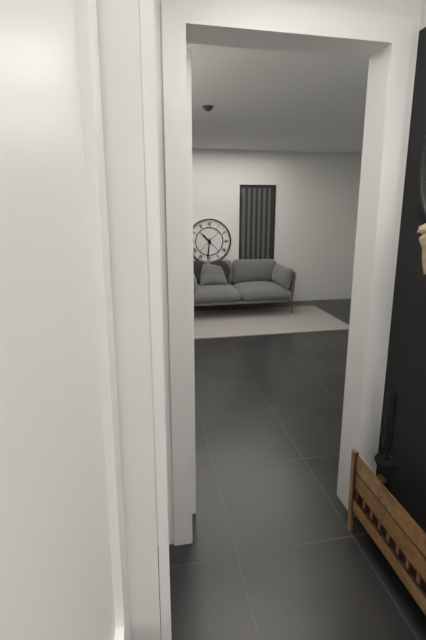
10 h 31 min
